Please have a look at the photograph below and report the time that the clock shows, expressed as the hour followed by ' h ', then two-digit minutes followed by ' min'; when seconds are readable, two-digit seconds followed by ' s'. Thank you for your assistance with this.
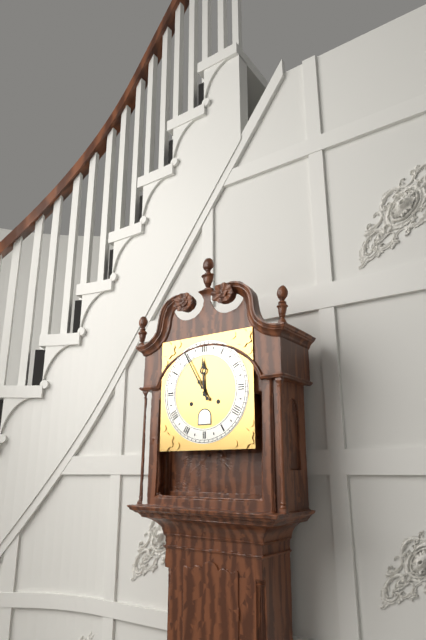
11 h 55 min
